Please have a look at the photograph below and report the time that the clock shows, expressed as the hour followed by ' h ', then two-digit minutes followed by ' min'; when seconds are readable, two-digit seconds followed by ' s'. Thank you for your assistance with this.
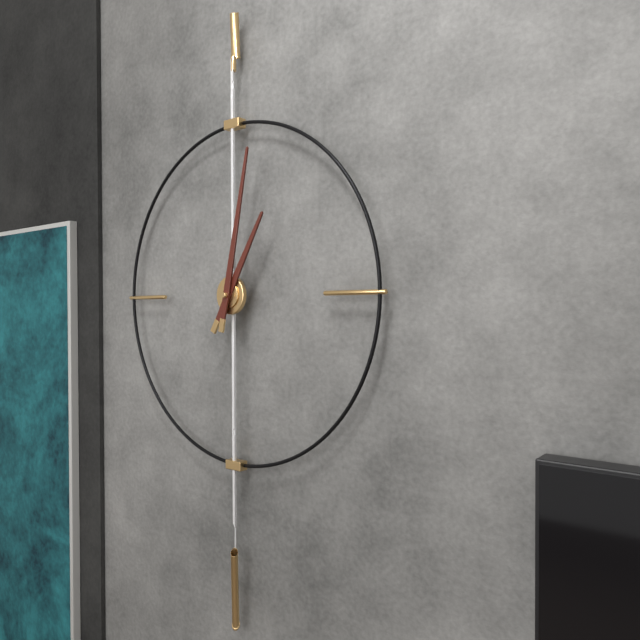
1 h 02 min
